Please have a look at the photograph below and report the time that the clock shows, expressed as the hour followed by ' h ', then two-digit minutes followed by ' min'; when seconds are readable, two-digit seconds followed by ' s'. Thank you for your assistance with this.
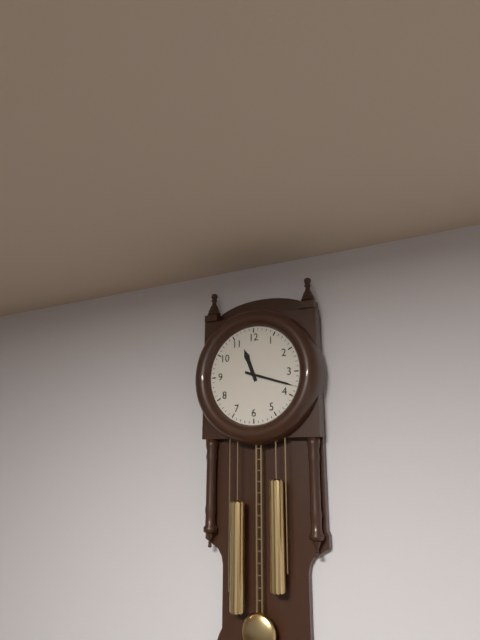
11 h 18 min
